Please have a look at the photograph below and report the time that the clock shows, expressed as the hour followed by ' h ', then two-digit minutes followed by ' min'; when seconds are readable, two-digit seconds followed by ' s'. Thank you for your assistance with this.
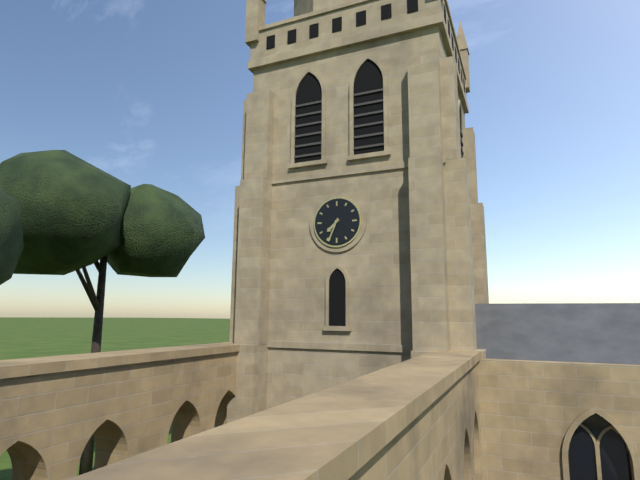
7 h 34 min
